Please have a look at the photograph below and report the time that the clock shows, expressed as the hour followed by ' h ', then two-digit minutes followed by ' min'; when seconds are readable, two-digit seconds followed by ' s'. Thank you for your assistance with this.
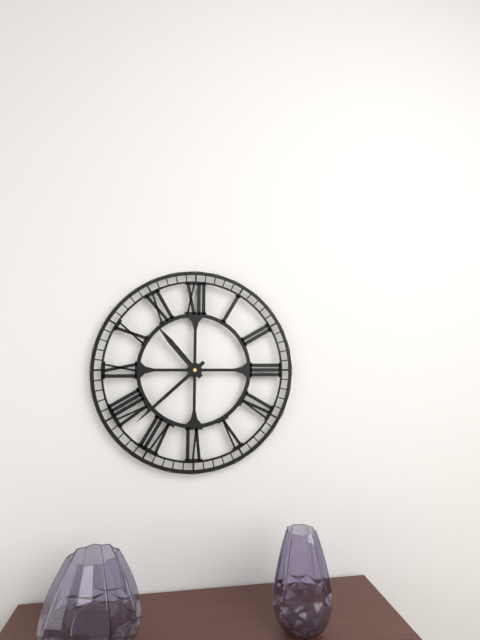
10 h 38 min
